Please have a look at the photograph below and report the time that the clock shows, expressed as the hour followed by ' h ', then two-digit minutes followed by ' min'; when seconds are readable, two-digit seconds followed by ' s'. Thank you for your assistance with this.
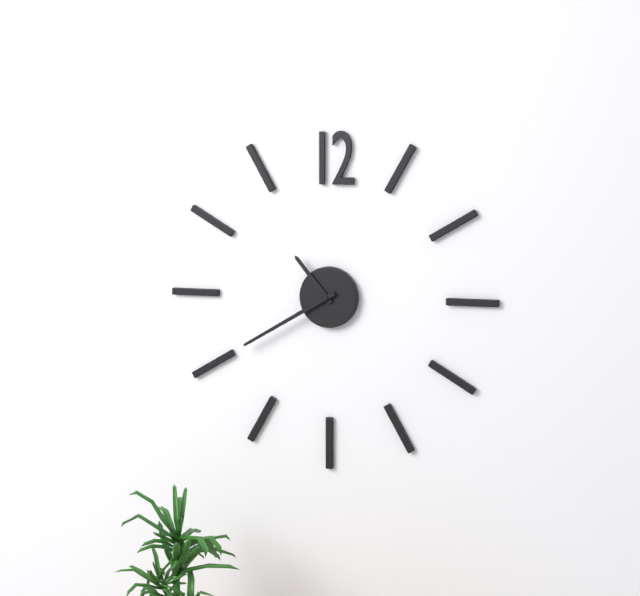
10 h 40 min
